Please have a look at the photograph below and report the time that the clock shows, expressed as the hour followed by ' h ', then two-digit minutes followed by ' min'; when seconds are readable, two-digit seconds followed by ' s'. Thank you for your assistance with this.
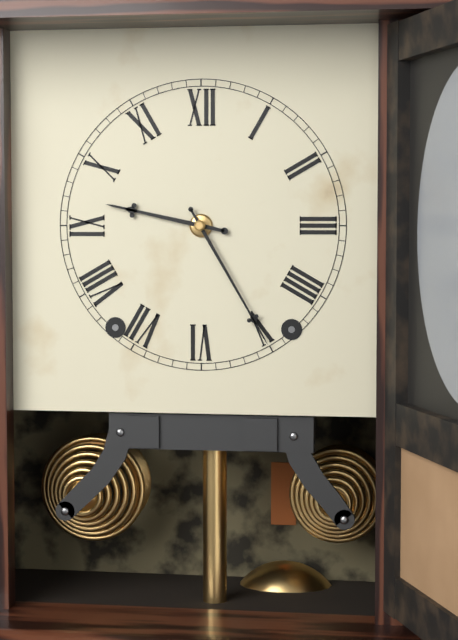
9 h 25 min
